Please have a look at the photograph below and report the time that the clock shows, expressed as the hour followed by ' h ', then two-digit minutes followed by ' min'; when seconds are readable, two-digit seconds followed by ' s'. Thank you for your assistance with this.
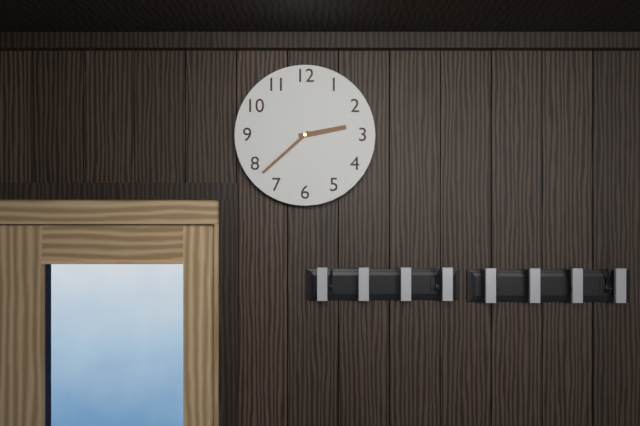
2 h 38 min
